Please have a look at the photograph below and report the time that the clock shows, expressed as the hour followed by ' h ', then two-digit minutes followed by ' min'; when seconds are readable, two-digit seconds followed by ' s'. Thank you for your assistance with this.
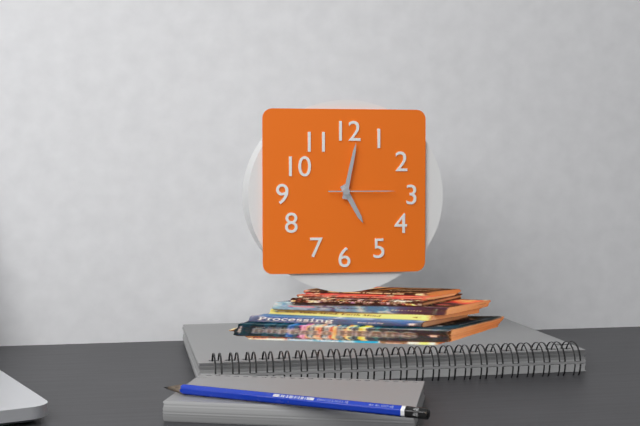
5 h 02 min 15 s
